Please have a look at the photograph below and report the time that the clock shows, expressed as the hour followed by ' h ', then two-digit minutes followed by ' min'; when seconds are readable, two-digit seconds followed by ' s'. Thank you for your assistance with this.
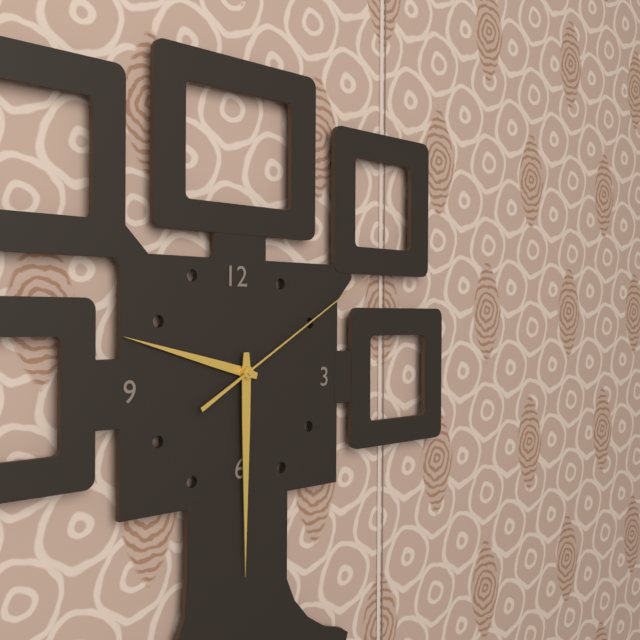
9 h 30 min 10 s
